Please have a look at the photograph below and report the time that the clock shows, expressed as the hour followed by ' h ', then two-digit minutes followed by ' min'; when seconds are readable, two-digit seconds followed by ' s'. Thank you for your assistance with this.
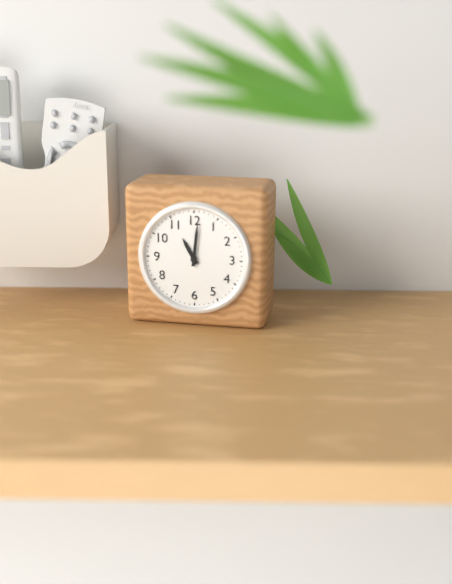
11 h 01 min
